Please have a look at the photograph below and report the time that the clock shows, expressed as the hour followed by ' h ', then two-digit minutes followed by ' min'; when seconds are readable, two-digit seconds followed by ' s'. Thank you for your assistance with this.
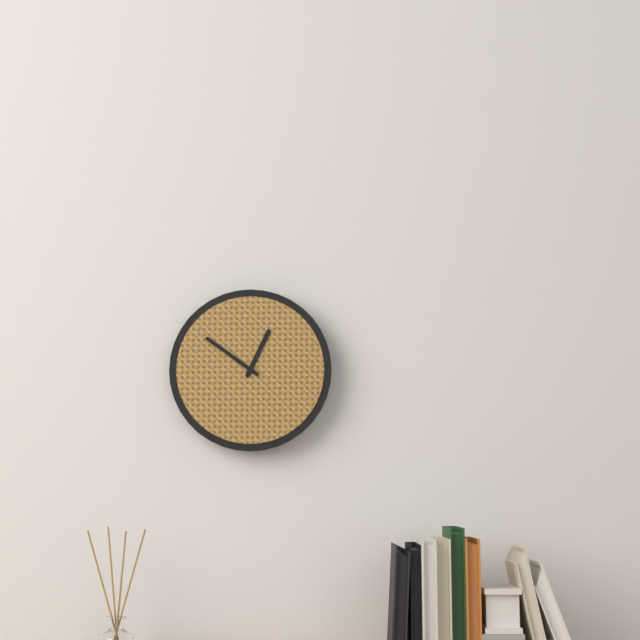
12 h 51 min
